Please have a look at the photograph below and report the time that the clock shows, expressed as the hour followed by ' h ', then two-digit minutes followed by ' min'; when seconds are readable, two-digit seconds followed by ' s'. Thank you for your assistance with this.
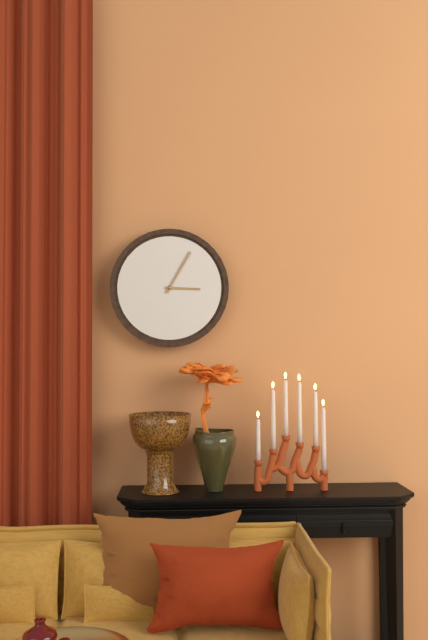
3 h 05 min
